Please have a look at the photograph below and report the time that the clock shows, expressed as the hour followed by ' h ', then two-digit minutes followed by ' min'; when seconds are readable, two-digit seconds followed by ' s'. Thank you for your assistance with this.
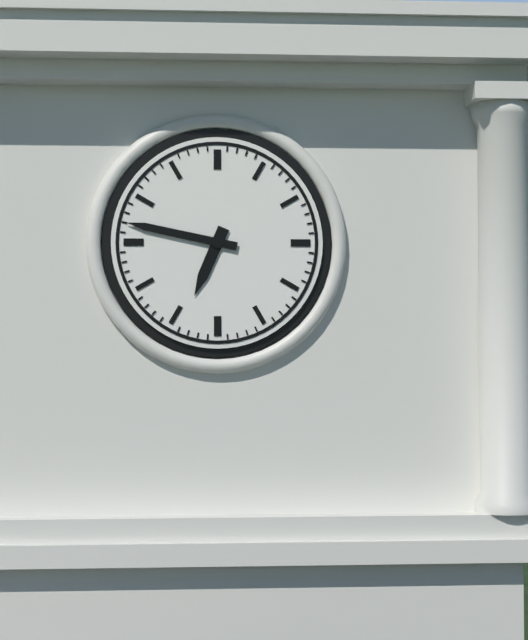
6 h 47 min
